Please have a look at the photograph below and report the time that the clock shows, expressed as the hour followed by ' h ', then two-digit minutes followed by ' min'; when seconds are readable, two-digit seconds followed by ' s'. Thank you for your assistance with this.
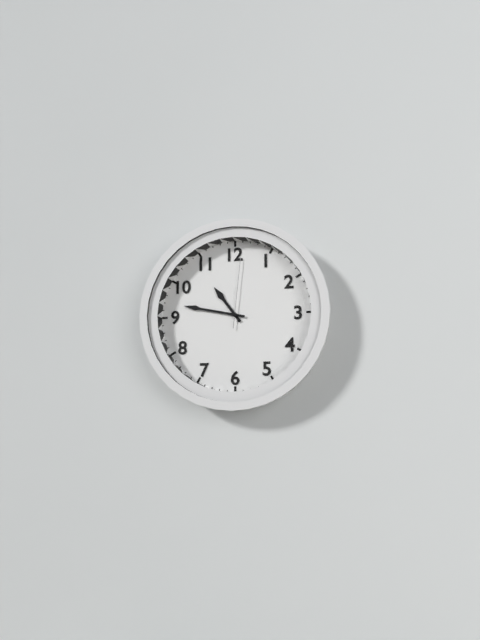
10 h 47 min 01 s
